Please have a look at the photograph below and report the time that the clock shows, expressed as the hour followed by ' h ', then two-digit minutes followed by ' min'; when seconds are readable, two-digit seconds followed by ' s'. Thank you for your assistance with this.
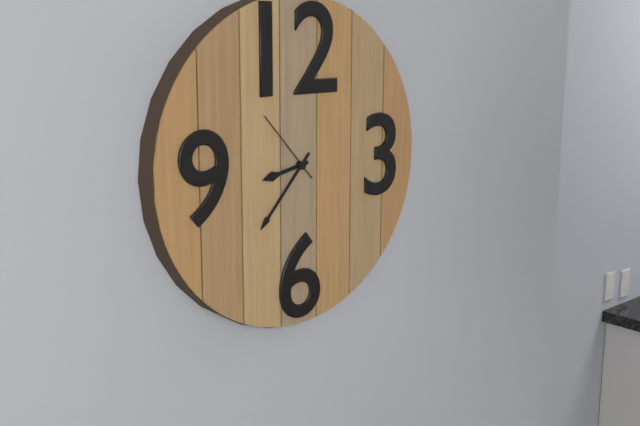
8 h 37 min 53 s
